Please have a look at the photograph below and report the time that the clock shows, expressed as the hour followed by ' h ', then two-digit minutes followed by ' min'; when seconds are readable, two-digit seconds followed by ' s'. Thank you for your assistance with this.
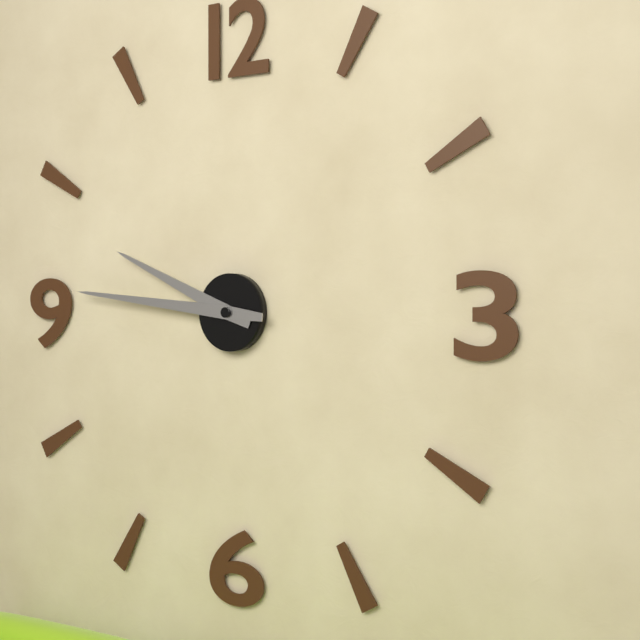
9 h 46 min
